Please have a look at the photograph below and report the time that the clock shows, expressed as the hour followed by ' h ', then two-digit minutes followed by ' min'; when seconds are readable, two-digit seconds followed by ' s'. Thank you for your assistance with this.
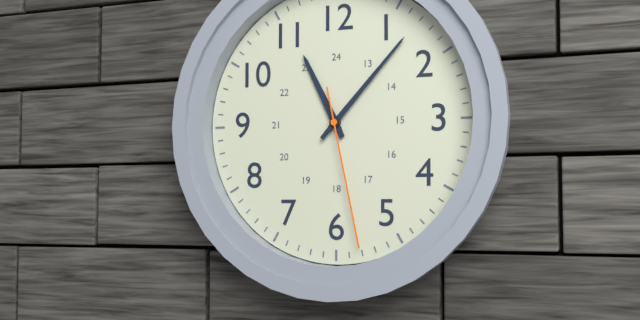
11 h 07 min 28 s
